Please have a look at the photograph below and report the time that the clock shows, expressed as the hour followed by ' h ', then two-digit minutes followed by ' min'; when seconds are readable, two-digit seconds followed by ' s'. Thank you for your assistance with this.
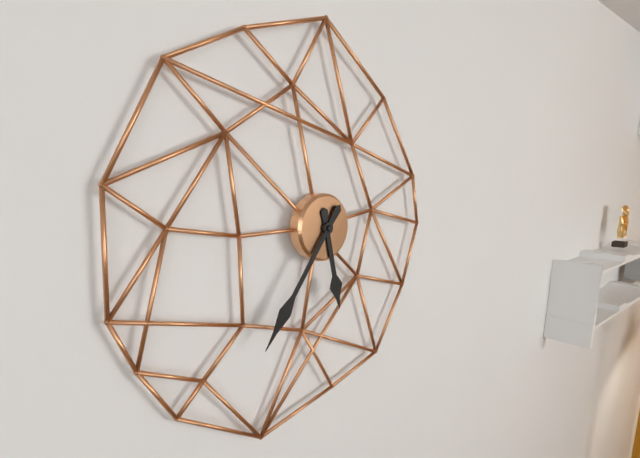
5 h 36 min
